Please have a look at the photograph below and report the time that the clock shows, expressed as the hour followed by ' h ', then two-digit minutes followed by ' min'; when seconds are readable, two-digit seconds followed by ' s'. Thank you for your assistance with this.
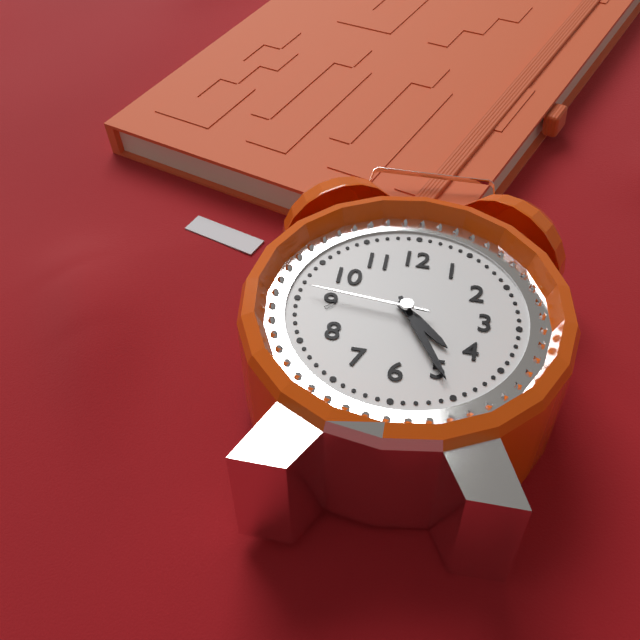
4 h 25 min 46 s
